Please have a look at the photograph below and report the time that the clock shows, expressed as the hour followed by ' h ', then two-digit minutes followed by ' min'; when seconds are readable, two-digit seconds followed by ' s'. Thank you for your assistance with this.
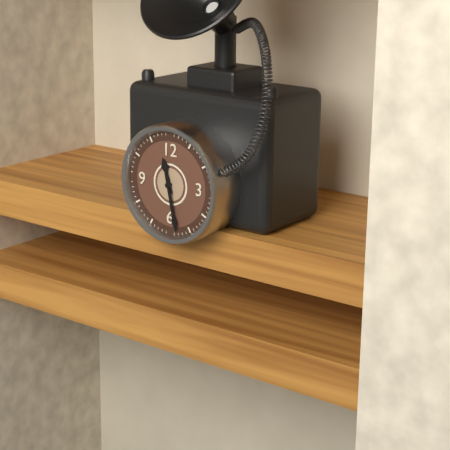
11 h 28 min
